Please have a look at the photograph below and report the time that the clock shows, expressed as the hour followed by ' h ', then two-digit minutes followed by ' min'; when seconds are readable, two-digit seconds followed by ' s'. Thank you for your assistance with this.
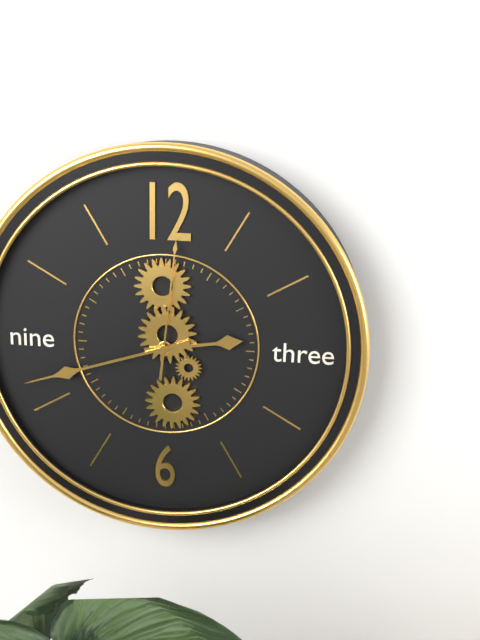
2 h 42 min 01 s
